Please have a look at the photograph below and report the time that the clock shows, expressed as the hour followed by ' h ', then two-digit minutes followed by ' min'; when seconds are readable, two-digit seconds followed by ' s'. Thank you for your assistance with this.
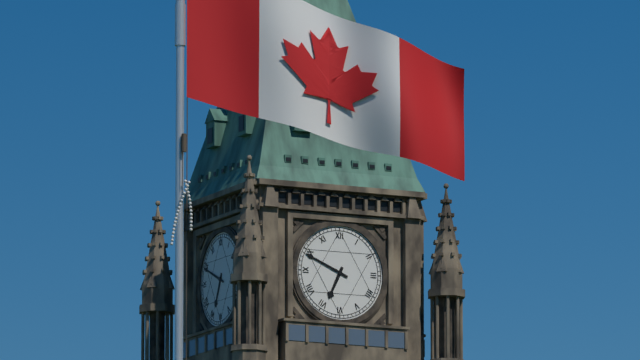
6 h 49 min
